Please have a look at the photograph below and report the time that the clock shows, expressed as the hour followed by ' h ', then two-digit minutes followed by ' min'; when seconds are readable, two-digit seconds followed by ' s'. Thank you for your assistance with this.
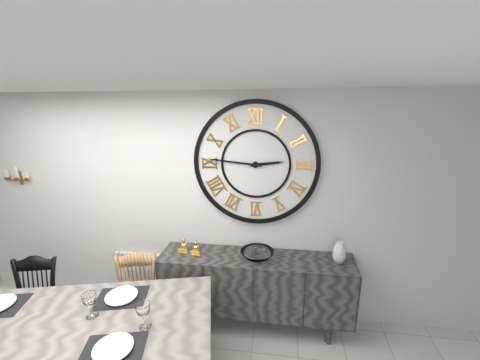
2 h 46 min
